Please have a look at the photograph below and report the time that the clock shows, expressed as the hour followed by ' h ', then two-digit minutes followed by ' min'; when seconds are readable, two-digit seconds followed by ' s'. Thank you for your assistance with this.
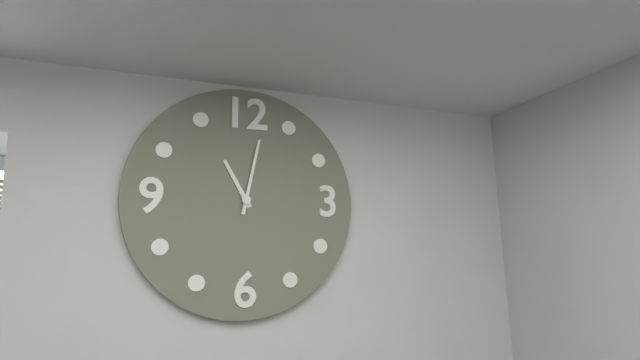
11 h 02 min
